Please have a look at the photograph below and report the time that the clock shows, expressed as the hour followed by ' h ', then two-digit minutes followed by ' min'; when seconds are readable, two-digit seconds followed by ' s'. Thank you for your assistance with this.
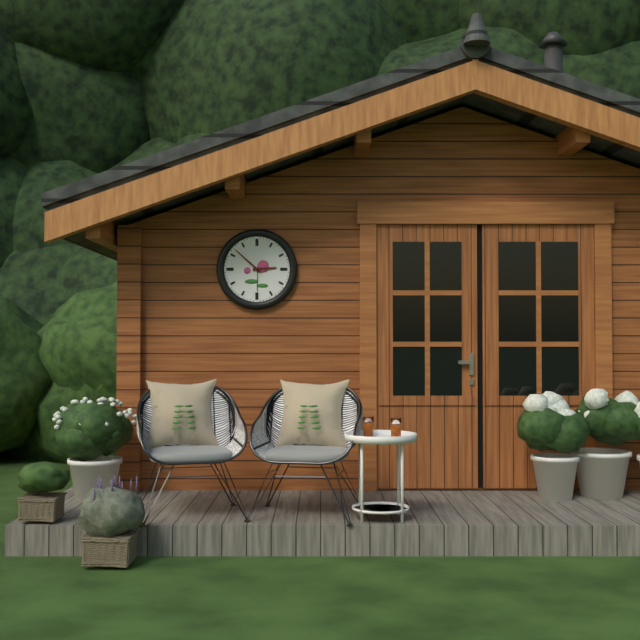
2 h 52 min
